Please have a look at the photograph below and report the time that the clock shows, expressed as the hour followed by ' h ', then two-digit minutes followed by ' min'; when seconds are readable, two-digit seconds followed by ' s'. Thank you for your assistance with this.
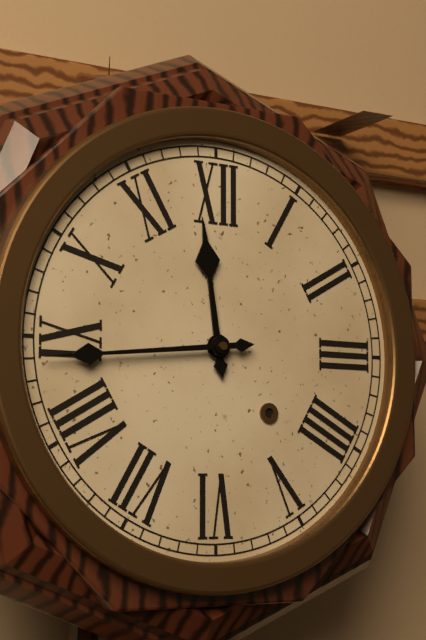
11 h 44 min
